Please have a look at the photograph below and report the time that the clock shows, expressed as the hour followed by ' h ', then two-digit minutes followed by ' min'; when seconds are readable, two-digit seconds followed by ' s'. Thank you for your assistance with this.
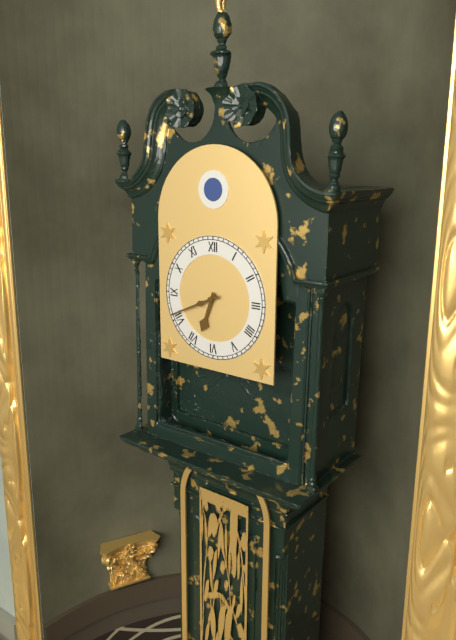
6 h 41 min
